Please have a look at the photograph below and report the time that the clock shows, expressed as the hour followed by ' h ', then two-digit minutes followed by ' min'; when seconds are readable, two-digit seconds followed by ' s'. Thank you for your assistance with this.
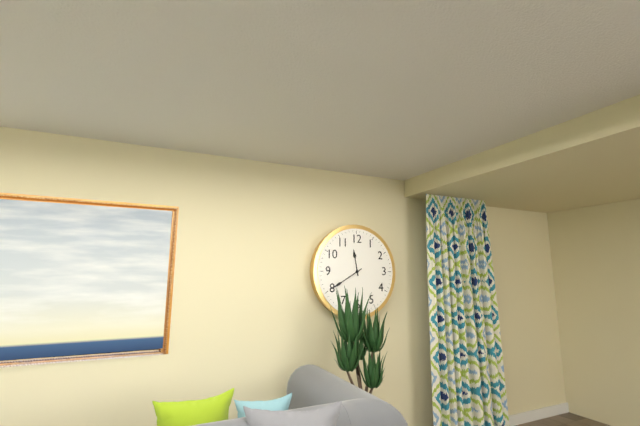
11 h 40 min
